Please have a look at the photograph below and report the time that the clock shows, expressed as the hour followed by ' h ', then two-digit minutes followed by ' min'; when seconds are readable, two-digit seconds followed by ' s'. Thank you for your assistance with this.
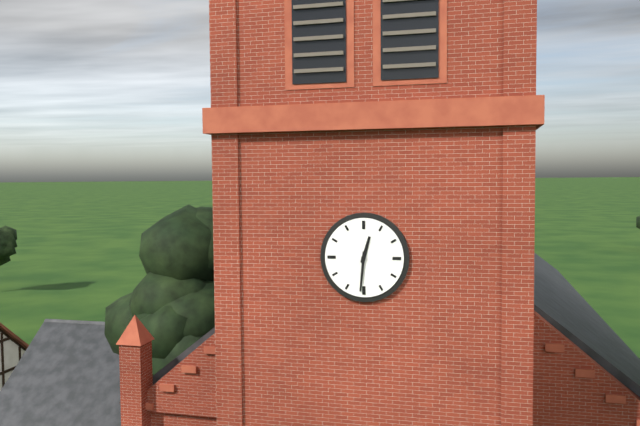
12 h 31 min
